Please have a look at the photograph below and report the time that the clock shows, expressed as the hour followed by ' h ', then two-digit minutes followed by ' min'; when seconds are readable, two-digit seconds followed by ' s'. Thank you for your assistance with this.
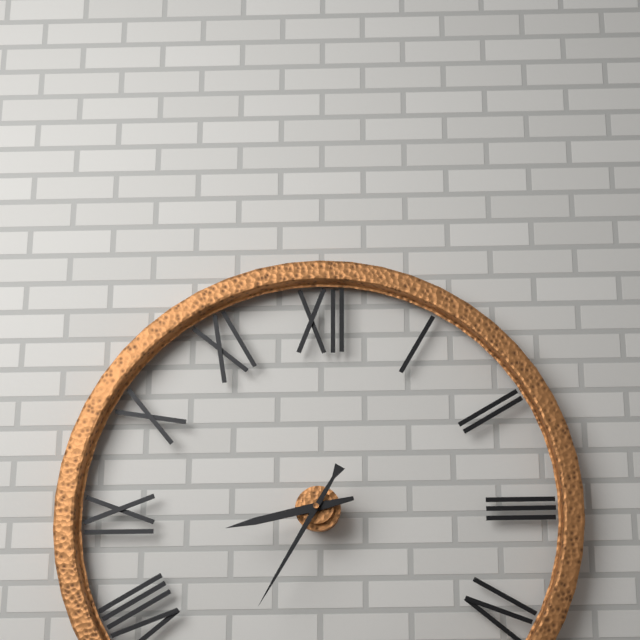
8 h 35 min
